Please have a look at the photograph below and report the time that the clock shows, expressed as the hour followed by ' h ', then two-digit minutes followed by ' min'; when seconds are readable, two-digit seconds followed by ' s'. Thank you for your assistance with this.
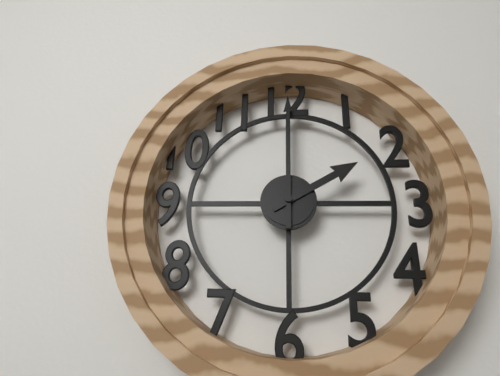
2 h 00 min
